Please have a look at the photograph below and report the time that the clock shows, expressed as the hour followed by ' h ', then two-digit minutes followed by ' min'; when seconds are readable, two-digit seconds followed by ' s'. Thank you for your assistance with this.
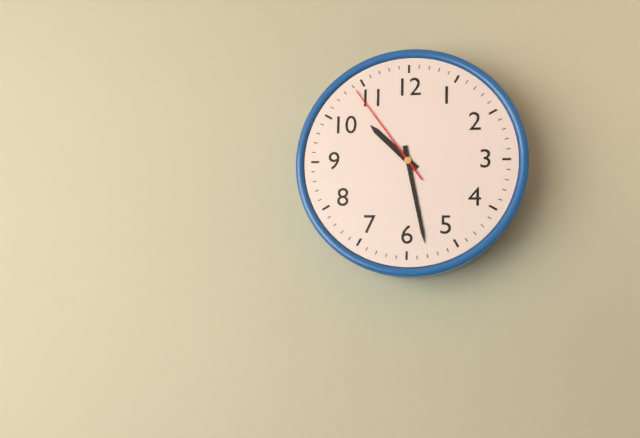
10 h 28 min 54 s
